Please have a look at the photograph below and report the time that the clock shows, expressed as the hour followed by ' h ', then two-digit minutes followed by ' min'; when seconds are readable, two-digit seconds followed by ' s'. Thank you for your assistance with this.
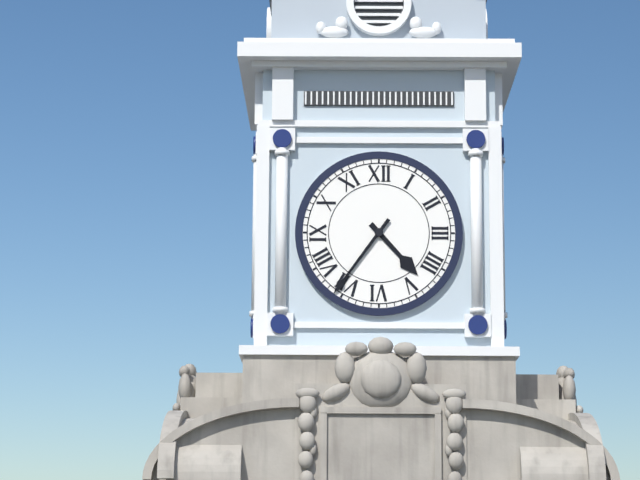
4 h 36 min
